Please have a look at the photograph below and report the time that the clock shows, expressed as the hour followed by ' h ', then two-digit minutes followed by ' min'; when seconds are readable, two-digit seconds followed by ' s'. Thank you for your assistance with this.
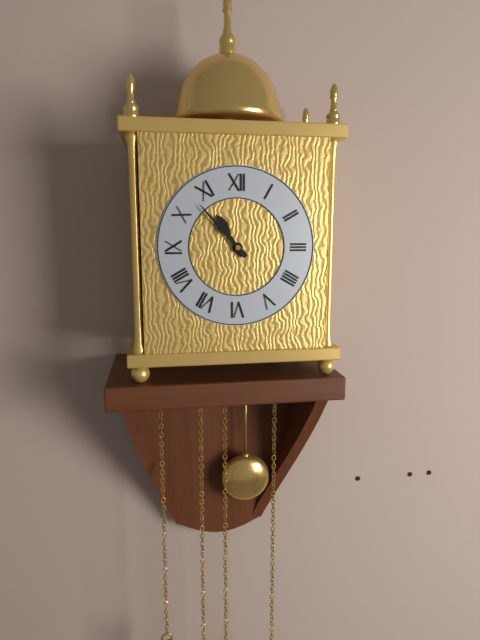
10 h 53 min
